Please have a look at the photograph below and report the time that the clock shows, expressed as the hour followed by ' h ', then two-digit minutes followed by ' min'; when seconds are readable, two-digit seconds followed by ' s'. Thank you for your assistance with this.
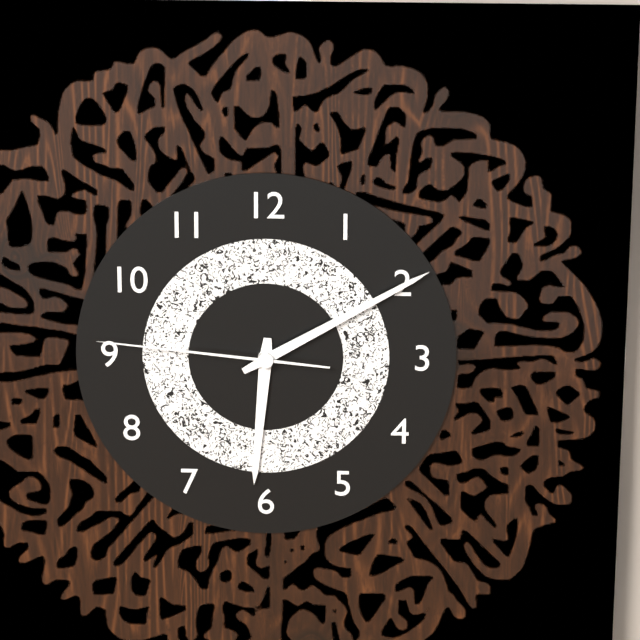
6 h 10 min 46 s
